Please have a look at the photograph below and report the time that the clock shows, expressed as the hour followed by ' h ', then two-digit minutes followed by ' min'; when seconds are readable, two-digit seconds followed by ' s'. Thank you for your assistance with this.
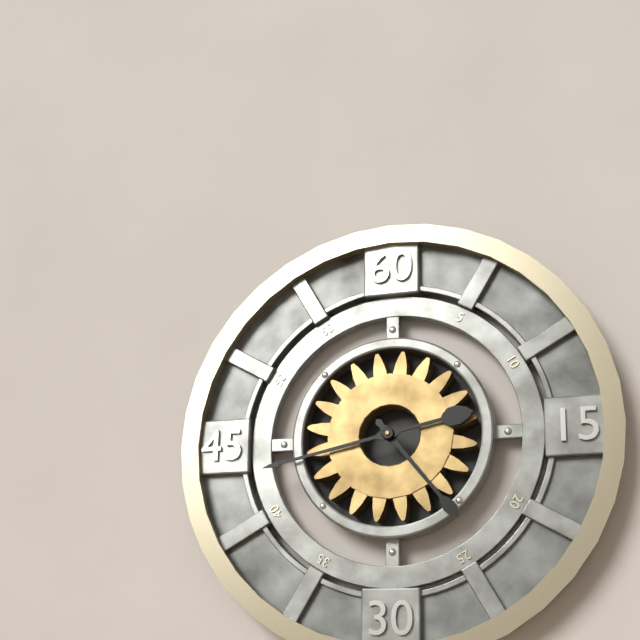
4 h 43 min
